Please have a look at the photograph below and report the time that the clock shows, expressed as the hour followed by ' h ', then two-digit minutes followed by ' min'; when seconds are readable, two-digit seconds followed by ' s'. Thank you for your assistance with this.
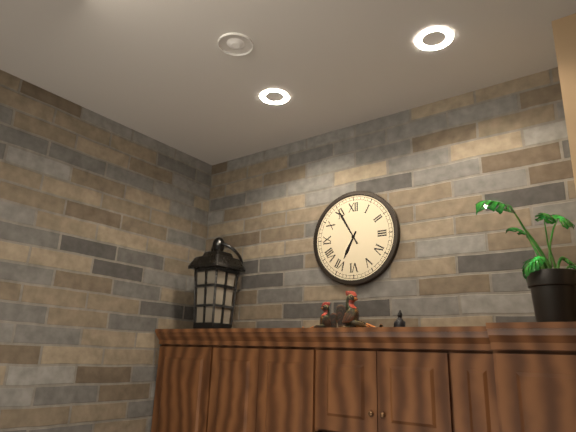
6 h 55 min
